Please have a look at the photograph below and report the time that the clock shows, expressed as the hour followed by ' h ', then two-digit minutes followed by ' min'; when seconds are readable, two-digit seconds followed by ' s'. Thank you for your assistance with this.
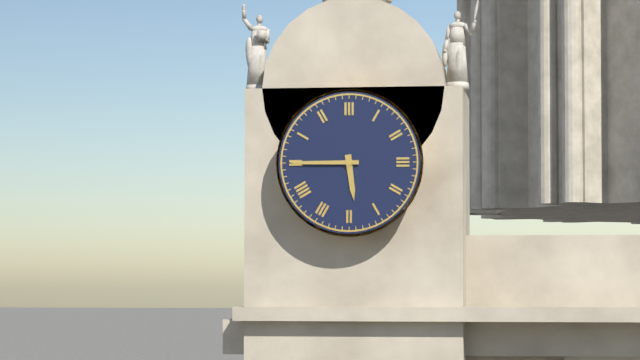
5 h 45 min
